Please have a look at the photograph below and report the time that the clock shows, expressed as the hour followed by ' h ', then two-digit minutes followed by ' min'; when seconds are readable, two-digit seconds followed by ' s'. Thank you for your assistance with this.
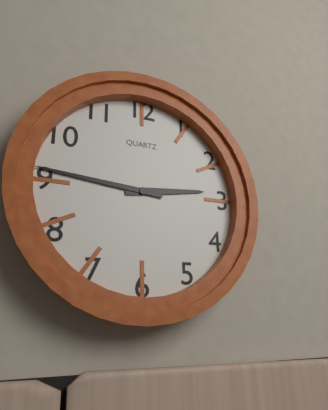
2 h 46 min
